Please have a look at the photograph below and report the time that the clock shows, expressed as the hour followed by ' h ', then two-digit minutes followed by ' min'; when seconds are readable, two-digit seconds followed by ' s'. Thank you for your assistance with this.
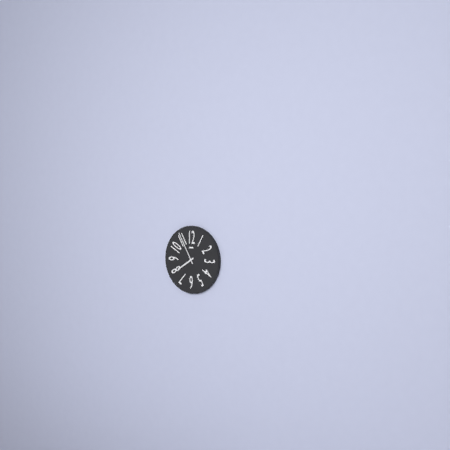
7 h 55 min
